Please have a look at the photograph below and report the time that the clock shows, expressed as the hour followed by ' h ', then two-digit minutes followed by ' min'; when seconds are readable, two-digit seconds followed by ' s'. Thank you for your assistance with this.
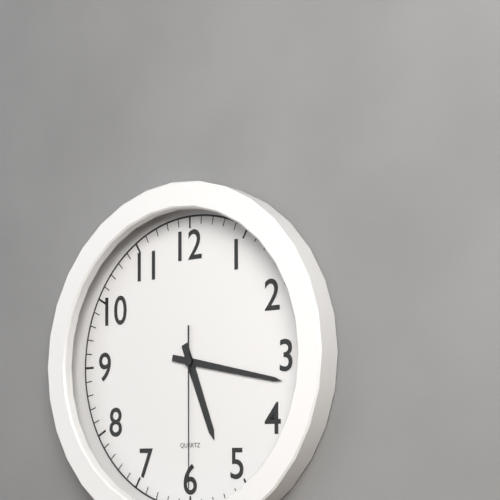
5 h 17 min 30 s
